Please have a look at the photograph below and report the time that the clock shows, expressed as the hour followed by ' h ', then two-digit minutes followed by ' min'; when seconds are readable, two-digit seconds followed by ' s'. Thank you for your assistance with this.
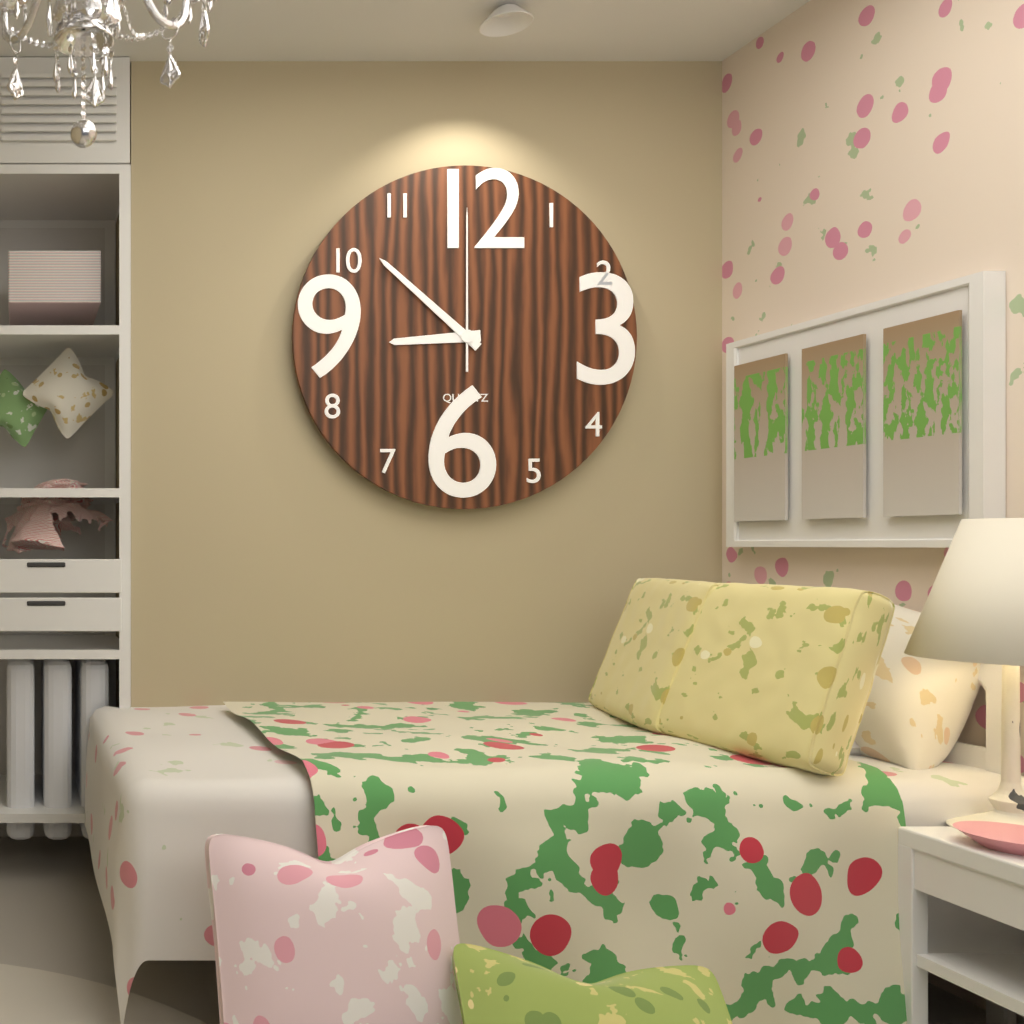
8 h 52 min 00 s
